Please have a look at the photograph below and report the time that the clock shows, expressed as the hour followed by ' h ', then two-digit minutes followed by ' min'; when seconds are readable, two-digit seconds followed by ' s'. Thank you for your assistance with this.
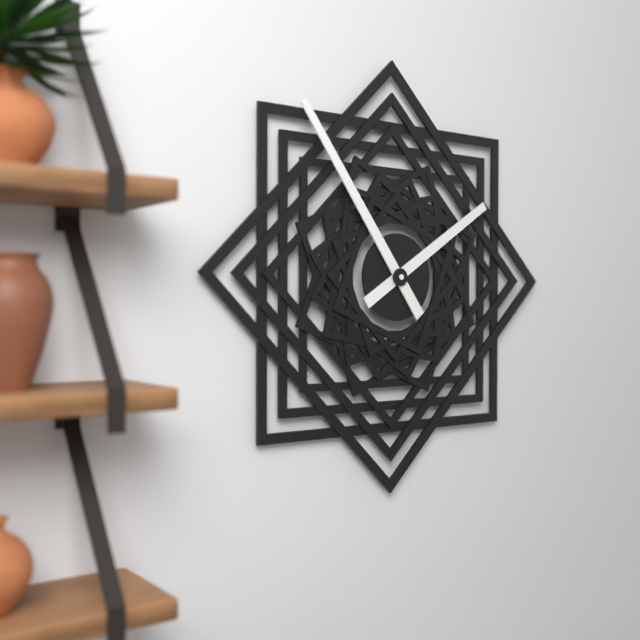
1 h 54 min
